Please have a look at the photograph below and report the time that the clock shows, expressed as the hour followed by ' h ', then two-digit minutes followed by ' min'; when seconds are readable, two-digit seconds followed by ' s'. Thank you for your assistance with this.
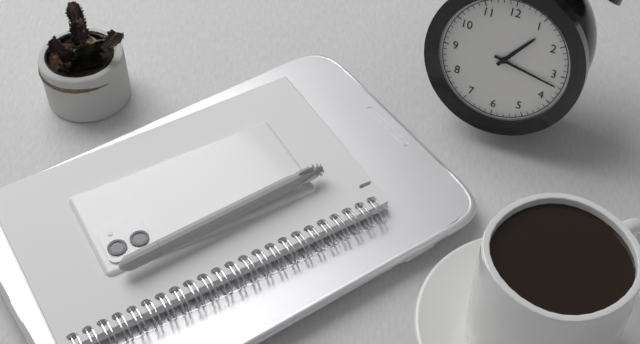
1 h 17 min
